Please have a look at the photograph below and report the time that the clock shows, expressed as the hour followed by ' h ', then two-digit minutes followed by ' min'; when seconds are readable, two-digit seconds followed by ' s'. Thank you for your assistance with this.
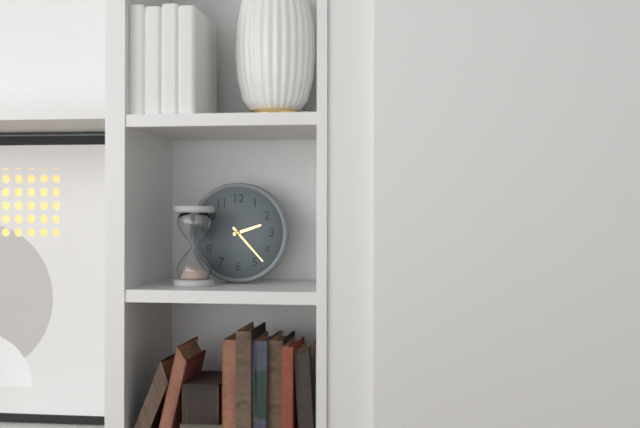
2 h 23 min
